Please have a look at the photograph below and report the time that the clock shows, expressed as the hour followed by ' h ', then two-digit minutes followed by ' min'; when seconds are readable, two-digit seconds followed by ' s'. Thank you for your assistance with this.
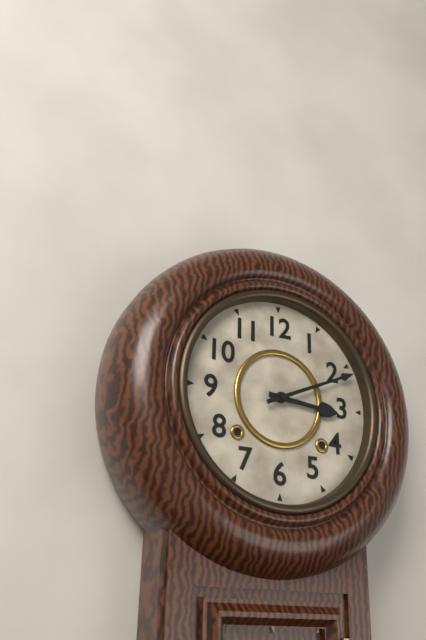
3 h 11 min
